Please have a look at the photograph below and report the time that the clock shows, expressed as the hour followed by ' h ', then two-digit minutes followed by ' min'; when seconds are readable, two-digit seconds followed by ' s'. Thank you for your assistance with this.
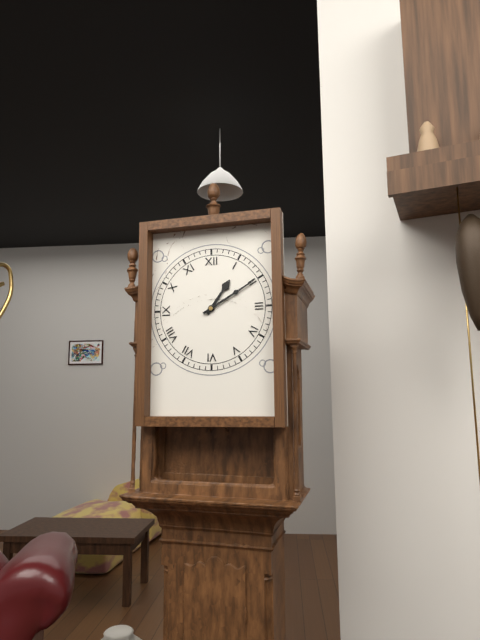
1 h 10 min
